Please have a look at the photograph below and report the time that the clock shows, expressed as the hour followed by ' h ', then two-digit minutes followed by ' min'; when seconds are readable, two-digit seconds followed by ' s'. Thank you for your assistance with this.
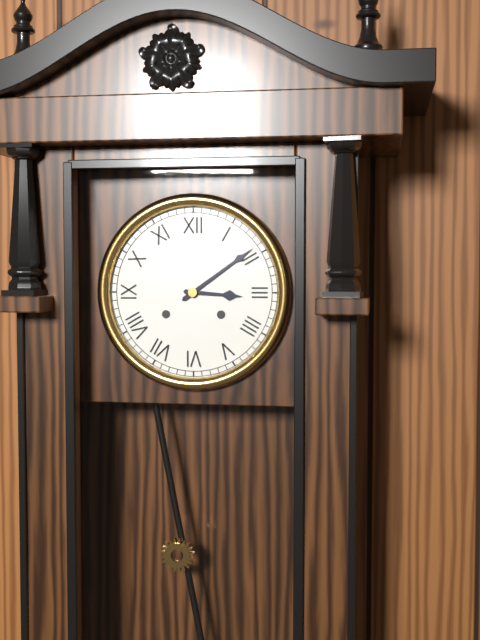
3 h 09 min
